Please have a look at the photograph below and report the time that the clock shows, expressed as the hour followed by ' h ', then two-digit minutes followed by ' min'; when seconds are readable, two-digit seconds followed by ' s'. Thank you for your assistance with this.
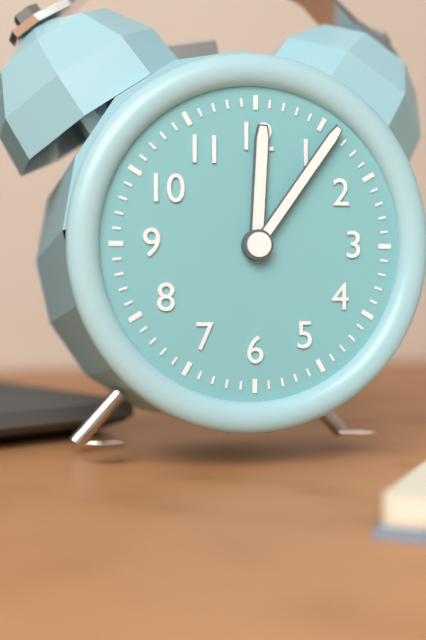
12 h 06 min
